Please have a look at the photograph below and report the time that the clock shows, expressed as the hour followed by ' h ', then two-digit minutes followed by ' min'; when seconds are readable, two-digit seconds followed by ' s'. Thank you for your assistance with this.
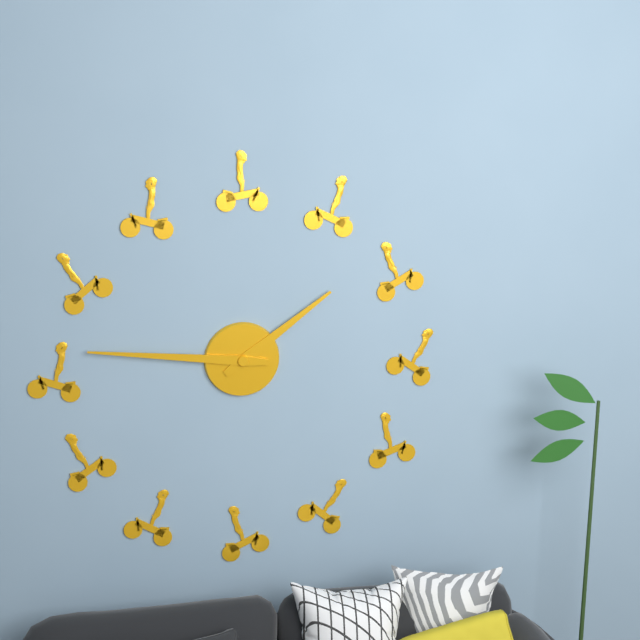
1 h 46 min
